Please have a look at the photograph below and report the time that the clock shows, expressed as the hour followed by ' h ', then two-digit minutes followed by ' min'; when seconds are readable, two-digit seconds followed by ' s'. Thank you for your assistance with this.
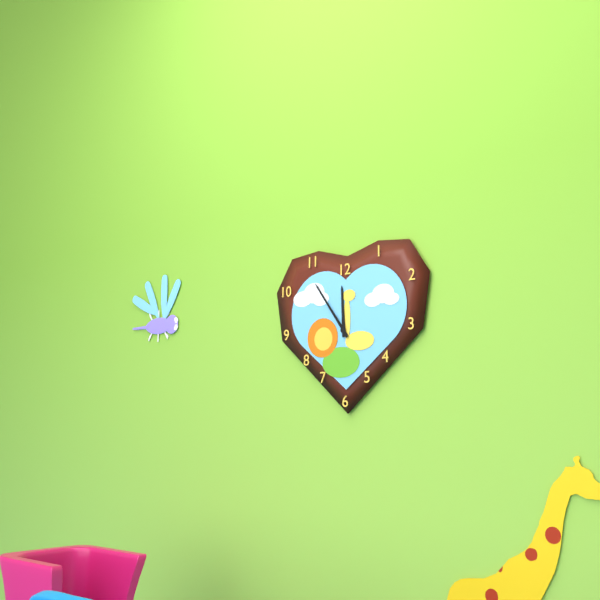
11 h 54 min
